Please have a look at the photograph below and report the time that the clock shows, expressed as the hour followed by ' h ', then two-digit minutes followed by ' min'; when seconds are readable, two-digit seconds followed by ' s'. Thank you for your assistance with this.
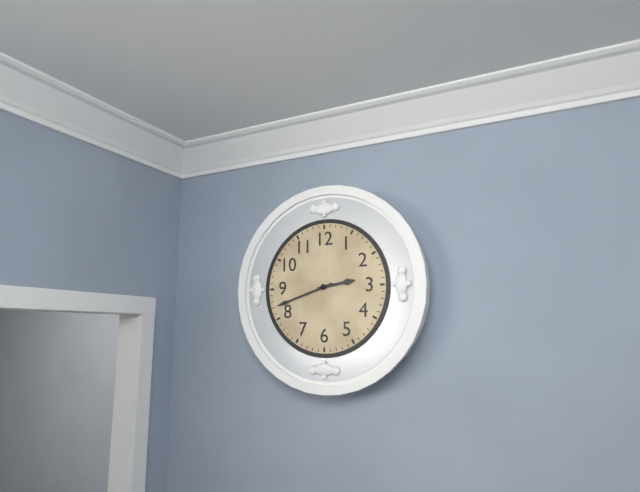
2 h 42 min
